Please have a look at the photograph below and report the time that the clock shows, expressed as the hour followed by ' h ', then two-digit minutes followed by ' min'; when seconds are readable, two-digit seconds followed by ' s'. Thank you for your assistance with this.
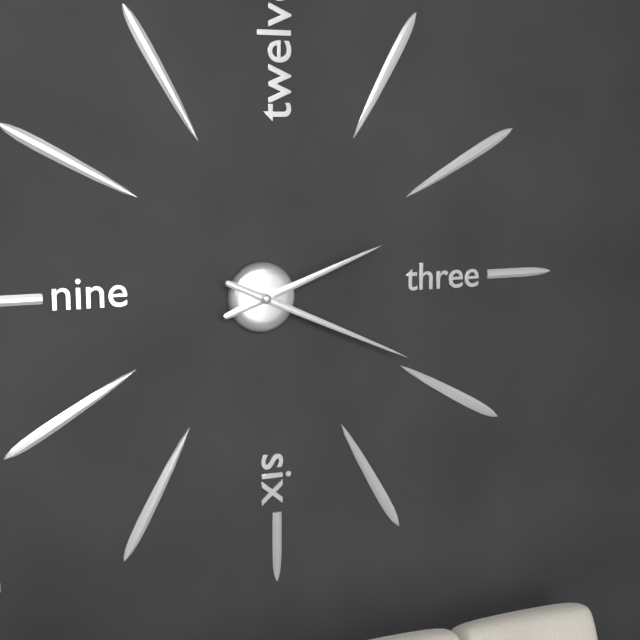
2 h 19 min
